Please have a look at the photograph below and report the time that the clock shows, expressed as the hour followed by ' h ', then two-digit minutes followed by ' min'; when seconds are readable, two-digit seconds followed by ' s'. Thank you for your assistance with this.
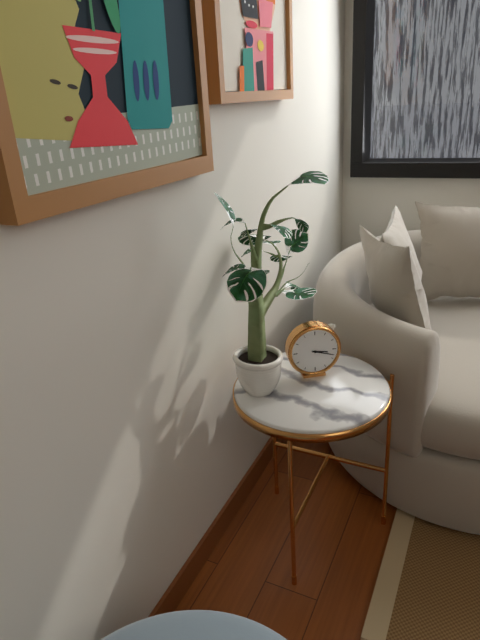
3 h 18 min
